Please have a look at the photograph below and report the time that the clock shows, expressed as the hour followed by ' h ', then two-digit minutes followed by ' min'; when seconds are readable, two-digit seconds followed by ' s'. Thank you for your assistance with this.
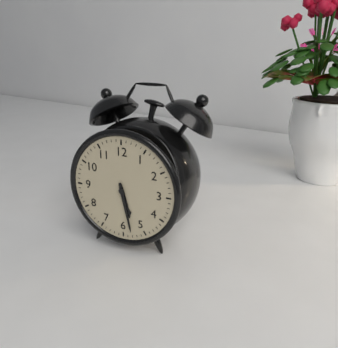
5 h 28 min
